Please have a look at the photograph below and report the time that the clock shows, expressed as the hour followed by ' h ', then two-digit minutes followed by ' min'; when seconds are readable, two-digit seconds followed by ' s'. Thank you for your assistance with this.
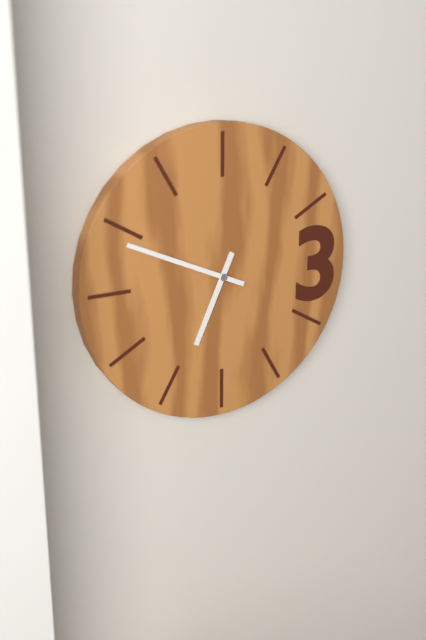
6 h 49 min
